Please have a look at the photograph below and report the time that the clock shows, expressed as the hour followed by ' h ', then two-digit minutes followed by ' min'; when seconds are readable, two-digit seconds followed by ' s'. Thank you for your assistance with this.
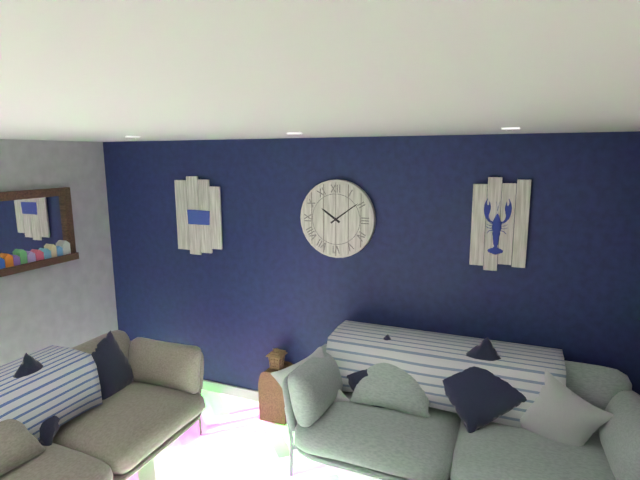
10 h 09 min
